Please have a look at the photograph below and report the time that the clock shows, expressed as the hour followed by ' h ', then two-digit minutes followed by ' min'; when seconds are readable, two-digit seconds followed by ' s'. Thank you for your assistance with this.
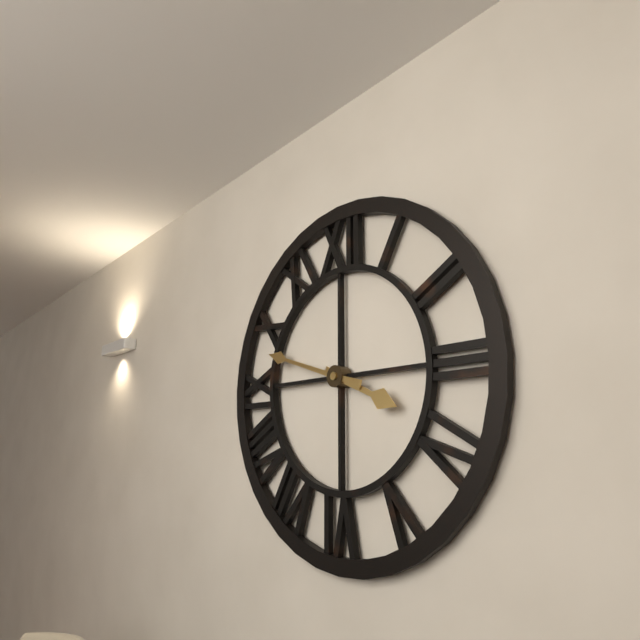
3 h 48 min
